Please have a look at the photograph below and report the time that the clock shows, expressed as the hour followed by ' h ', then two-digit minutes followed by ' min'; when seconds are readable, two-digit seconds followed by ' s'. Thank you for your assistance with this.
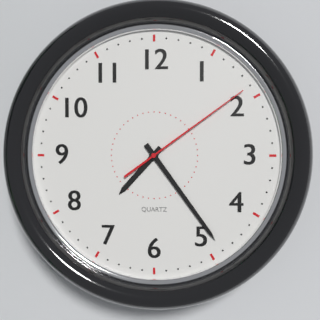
7 h 24 min 09 s
